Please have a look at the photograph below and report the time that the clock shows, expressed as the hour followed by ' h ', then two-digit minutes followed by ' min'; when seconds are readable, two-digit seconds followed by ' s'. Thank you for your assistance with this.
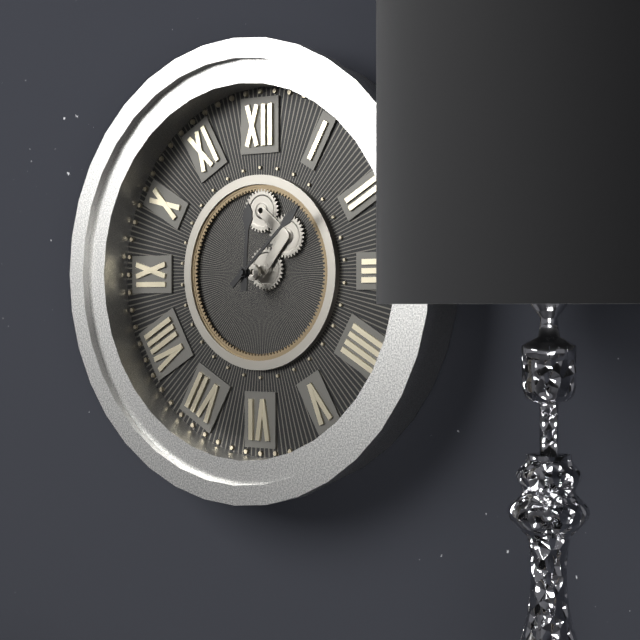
12 h 08 min
